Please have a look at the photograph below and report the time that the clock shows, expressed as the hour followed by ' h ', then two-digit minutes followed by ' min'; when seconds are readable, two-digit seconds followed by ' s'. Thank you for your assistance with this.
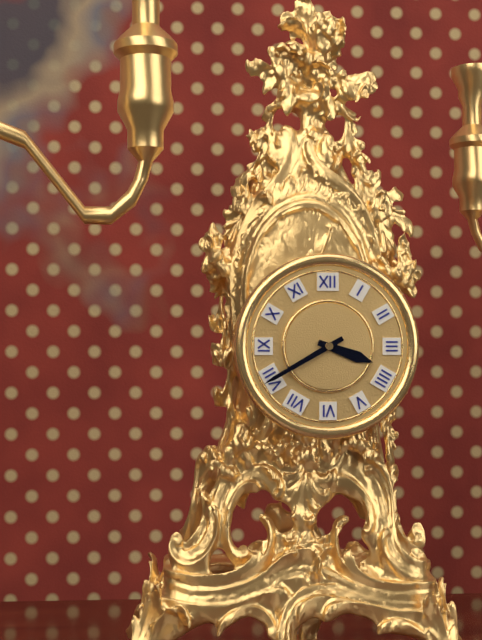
3 h 40 min
